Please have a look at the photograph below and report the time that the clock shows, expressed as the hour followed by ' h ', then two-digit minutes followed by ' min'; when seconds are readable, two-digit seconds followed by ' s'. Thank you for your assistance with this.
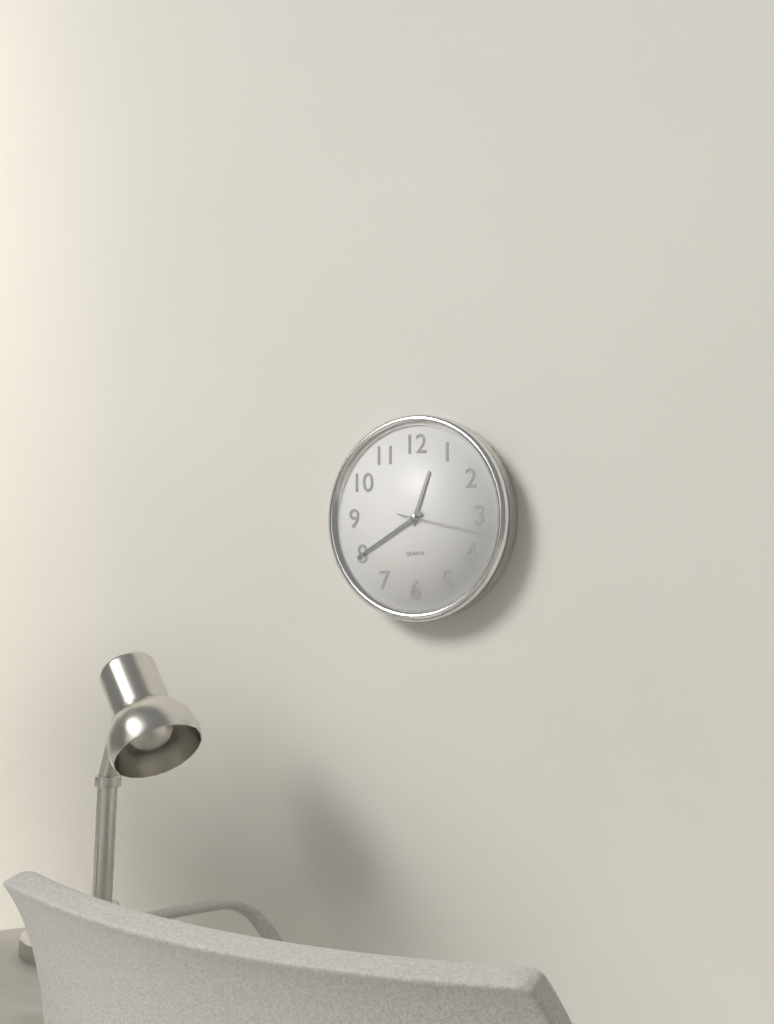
12 h 40 min 17 s
